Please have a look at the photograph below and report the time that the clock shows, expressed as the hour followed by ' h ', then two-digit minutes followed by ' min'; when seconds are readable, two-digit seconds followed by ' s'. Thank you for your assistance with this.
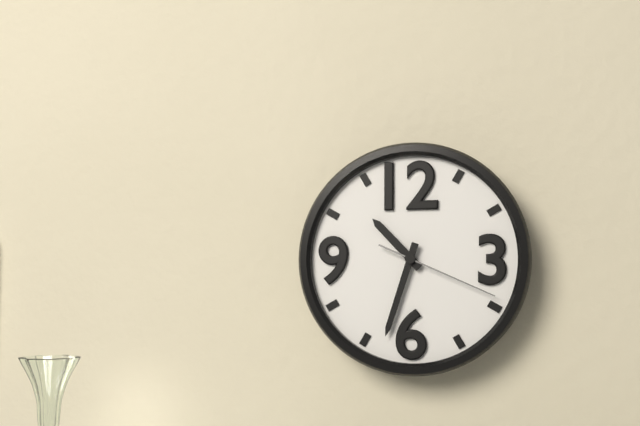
10 h 33 min 19 s
